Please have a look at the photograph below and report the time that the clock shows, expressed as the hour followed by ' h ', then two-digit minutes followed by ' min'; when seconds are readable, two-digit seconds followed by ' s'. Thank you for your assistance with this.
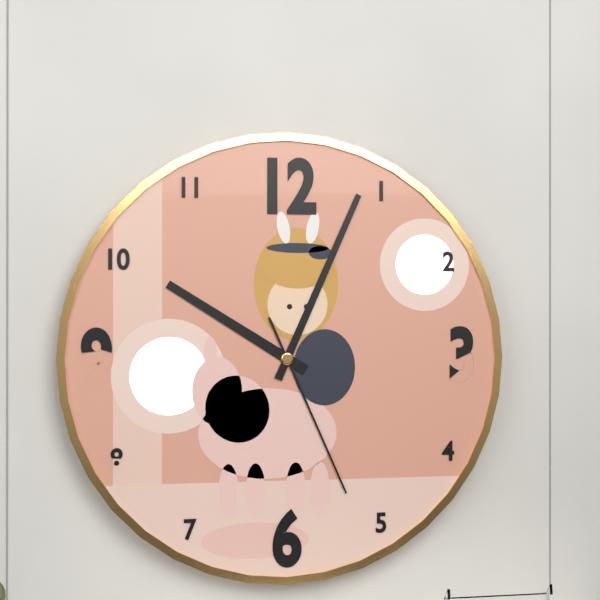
10 h 04 min 26 s
